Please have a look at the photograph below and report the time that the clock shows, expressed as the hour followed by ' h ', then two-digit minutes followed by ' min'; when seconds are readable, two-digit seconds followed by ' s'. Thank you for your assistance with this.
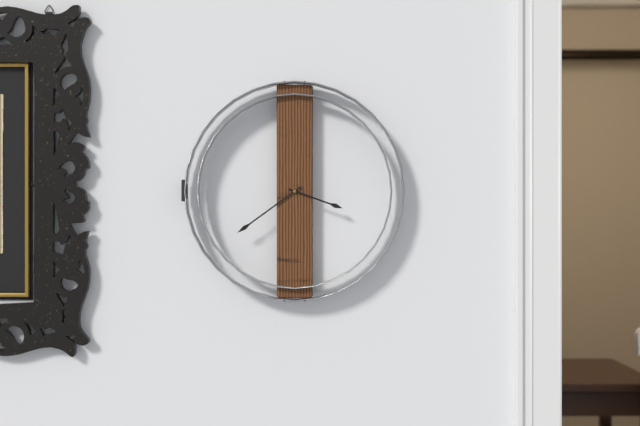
3 h 39 min
